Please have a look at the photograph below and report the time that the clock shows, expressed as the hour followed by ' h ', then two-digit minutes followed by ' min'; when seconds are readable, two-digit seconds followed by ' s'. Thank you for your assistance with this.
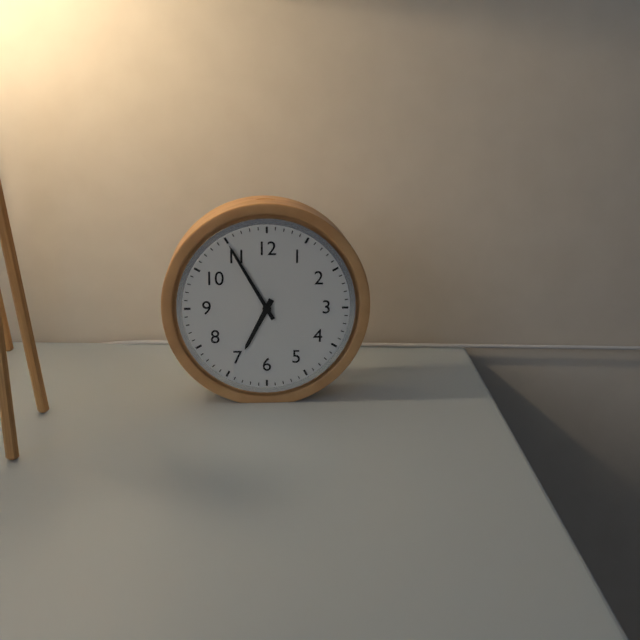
6 h 55 min
